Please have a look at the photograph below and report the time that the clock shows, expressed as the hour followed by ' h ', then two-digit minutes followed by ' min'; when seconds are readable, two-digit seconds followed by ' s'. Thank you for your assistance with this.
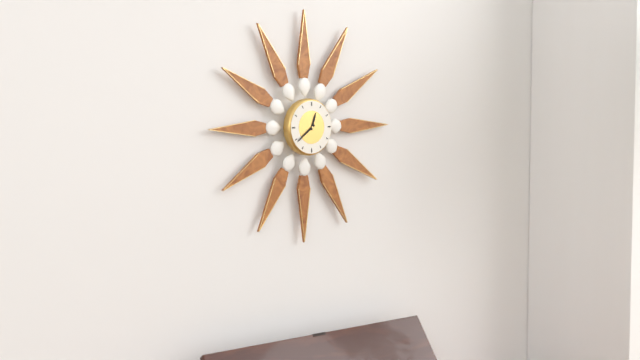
12 h 39 min
